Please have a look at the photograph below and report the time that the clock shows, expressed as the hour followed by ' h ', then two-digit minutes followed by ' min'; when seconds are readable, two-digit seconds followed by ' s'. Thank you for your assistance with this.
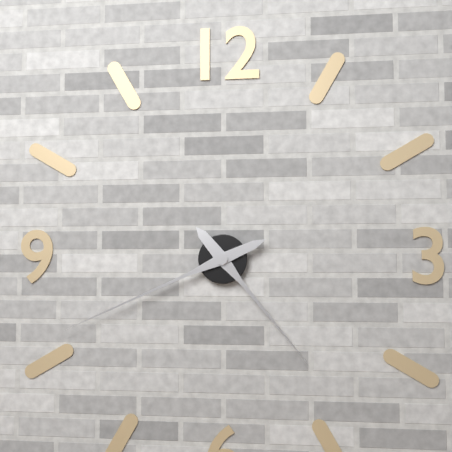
4 h 41 min
